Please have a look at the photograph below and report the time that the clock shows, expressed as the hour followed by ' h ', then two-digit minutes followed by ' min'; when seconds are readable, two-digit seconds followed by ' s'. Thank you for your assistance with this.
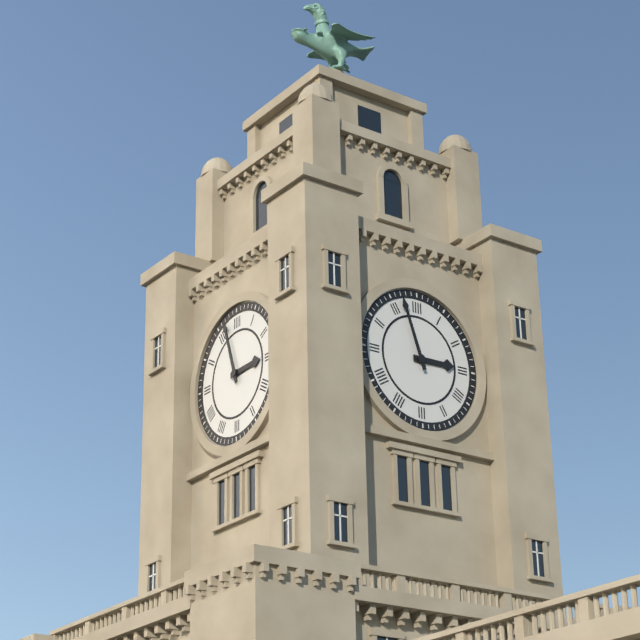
2 h 57 min
